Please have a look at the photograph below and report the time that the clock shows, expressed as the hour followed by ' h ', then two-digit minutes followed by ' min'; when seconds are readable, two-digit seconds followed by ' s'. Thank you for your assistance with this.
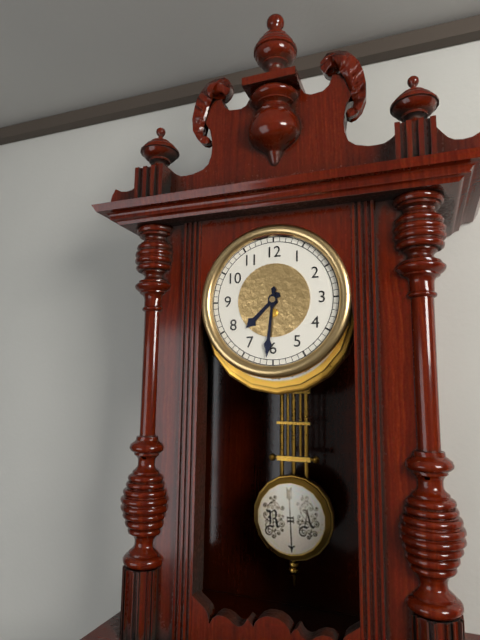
7 h 31 min
